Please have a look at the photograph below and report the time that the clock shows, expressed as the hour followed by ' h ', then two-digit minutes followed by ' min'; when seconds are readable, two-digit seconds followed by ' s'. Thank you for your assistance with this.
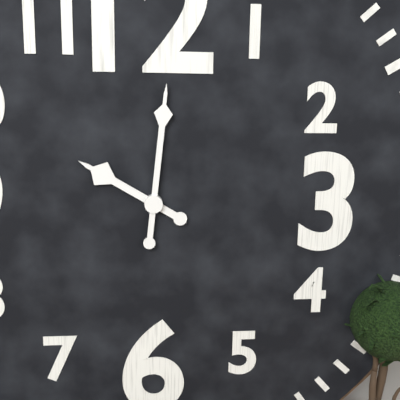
10 h 01 min
